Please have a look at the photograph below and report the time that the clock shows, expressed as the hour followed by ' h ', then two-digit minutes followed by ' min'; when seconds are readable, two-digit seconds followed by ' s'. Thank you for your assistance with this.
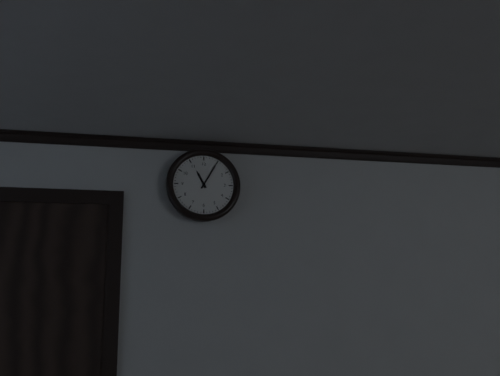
11 h 05 min
